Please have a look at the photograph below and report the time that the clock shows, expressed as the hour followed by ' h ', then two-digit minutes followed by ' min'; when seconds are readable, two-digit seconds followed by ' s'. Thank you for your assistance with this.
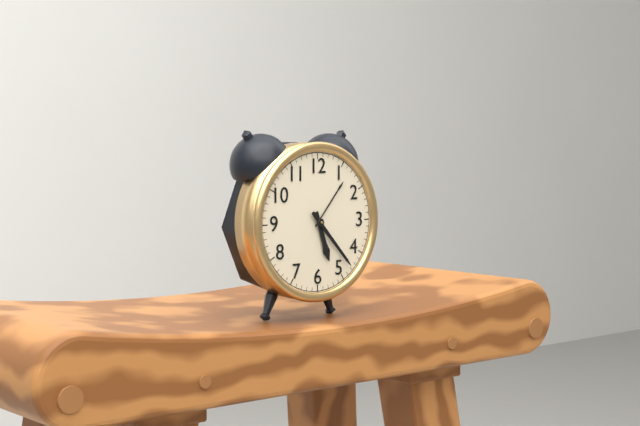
5 h 23 min
